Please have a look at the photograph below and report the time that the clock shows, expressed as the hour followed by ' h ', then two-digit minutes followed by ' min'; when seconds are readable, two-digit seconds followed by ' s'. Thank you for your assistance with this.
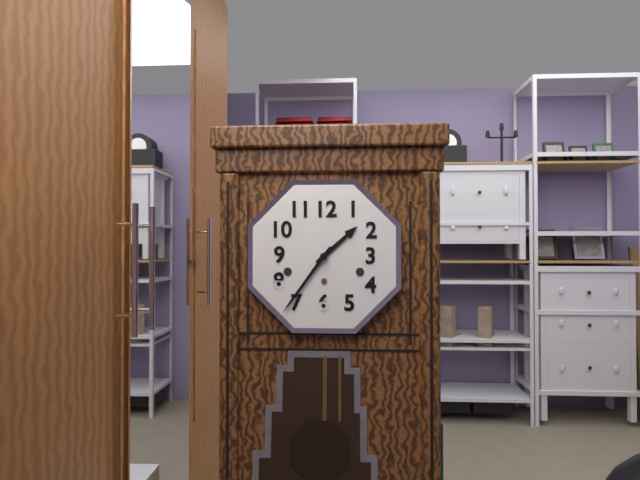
1 h 36 min
